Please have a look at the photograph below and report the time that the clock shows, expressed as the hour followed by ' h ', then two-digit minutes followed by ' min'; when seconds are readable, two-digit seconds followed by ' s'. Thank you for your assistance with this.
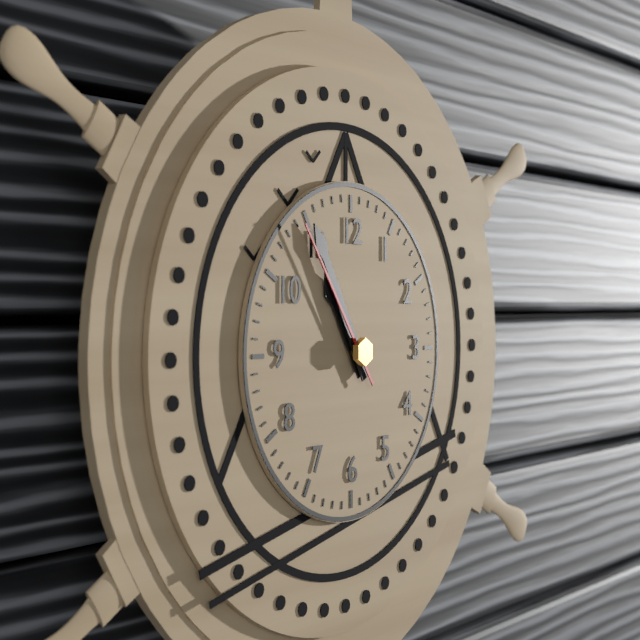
10 h 55 min 54 s
